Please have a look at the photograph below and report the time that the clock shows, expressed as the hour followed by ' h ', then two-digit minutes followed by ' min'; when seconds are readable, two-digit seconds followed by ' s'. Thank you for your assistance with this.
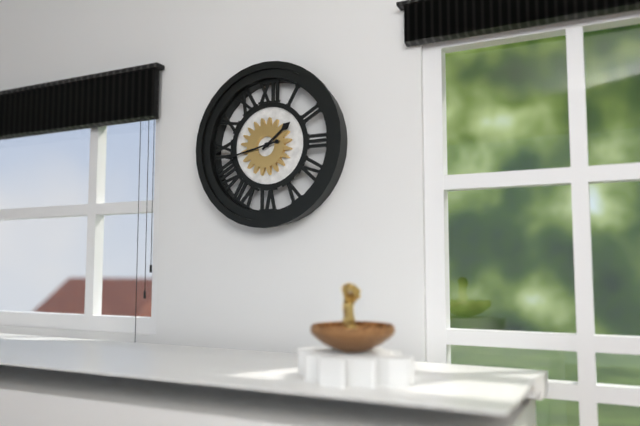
1 h 43 min
